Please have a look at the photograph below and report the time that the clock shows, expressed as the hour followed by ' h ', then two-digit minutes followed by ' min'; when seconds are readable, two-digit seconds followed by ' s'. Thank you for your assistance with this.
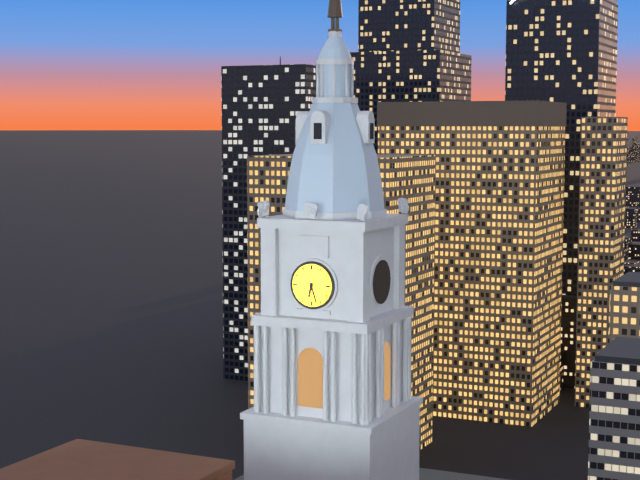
6 h 27 min
